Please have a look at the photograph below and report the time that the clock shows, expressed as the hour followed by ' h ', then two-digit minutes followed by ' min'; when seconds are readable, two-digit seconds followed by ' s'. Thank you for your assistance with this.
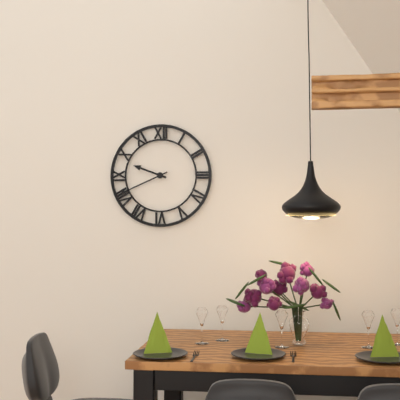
9 h 41 min
